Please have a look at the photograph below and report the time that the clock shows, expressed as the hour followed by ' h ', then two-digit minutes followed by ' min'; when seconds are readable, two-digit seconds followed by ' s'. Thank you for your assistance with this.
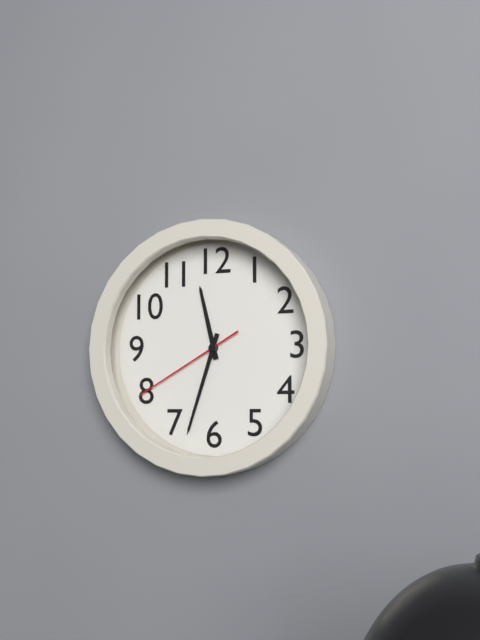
11 h 33 min 40 s
